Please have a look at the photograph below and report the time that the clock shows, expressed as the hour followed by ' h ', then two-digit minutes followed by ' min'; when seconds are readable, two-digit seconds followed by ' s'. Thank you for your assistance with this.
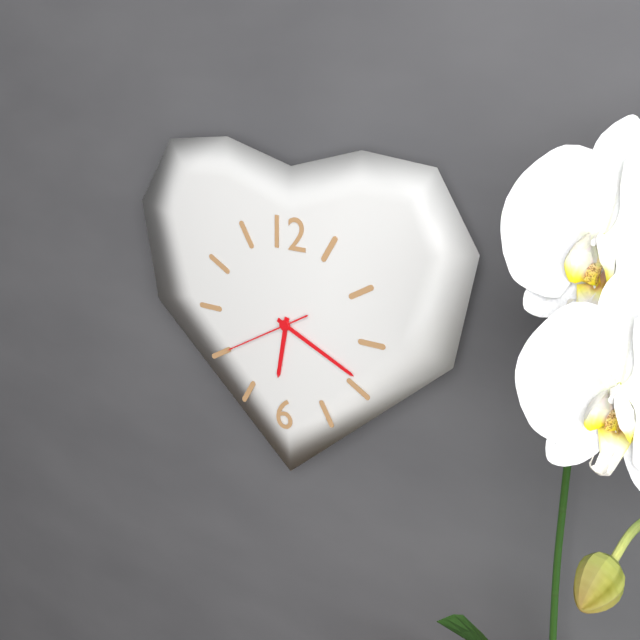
6 h 19 min 40 s
